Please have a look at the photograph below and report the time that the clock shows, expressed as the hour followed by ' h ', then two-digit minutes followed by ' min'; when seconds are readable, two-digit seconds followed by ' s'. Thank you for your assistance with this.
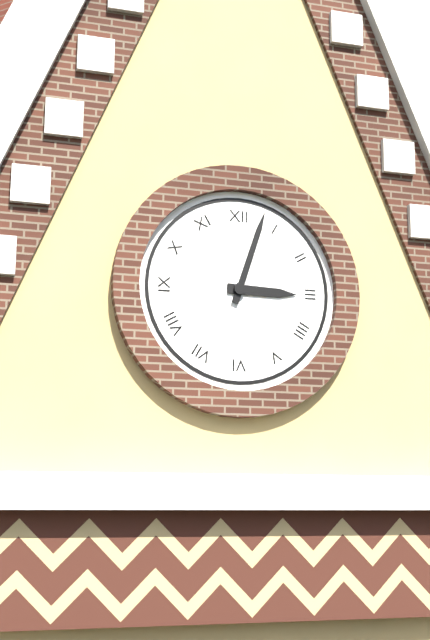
3 h 03 min
